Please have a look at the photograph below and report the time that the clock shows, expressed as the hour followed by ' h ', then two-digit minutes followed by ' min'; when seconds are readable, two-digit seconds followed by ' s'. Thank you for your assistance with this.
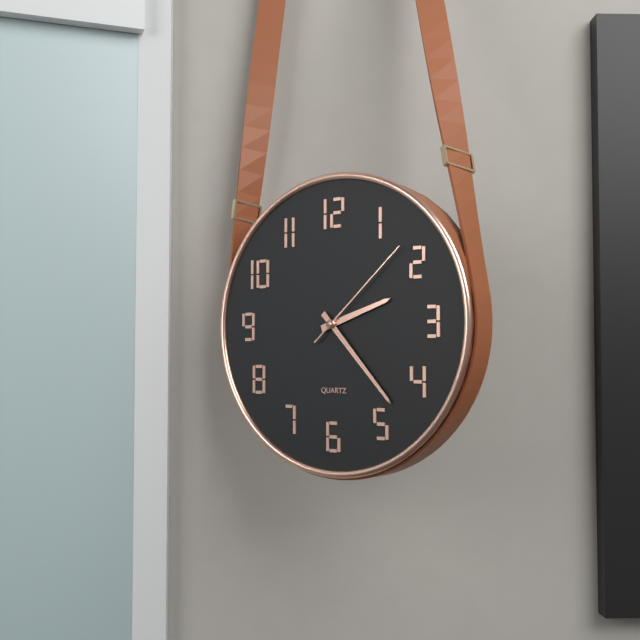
2 h 23 min 08 s
